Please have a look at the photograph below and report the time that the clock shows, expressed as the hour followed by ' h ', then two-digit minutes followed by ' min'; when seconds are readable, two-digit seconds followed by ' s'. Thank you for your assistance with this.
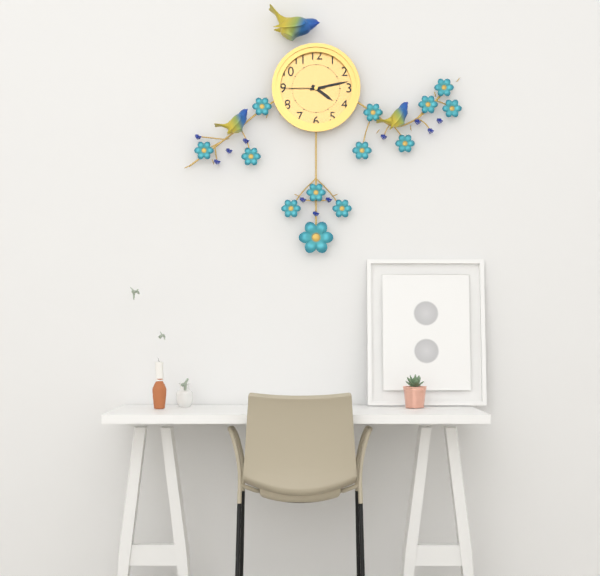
4 h 13 min
